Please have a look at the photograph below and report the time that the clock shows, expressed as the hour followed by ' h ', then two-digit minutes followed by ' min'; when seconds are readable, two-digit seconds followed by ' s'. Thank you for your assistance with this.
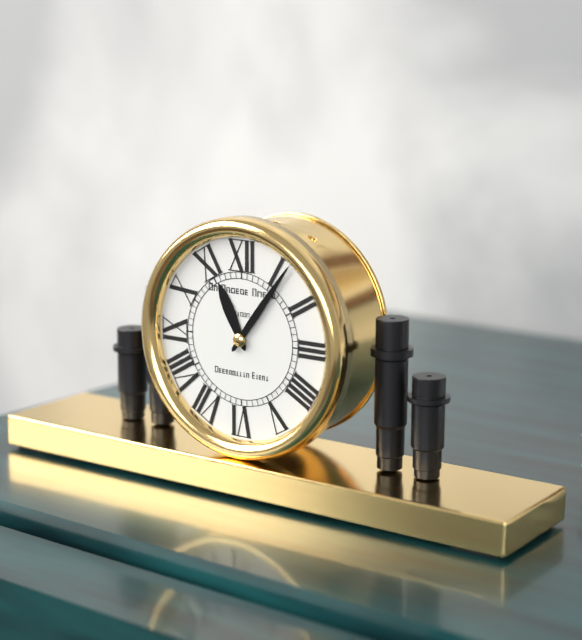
11 h 06 min
